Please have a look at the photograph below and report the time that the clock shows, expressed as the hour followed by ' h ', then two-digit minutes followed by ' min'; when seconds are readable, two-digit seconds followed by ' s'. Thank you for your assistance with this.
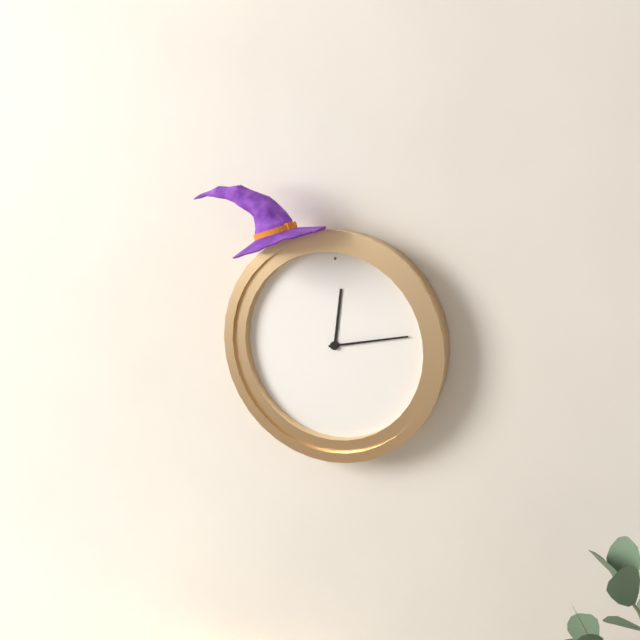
12 h 13 min
